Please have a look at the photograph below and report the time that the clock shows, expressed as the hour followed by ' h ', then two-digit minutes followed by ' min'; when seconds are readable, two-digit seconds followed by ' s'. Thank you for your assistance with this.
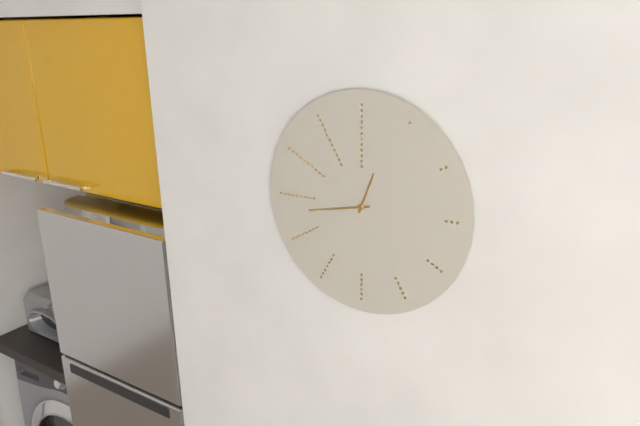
12 h 43 min
